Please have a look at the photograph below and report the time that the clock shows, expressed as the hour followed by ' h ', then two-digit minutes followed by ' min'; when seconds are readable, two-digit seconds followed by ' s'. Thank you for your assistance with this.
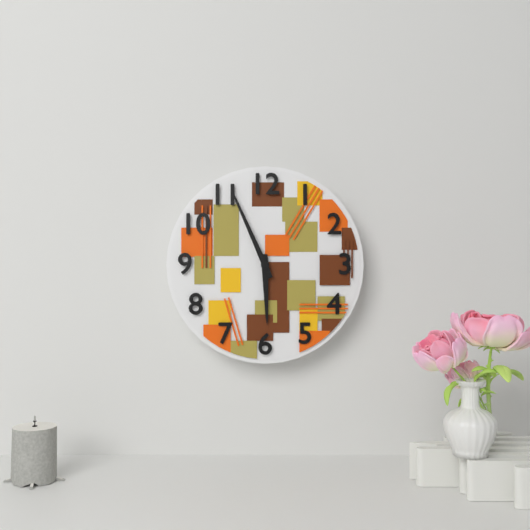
5 h 56 min
